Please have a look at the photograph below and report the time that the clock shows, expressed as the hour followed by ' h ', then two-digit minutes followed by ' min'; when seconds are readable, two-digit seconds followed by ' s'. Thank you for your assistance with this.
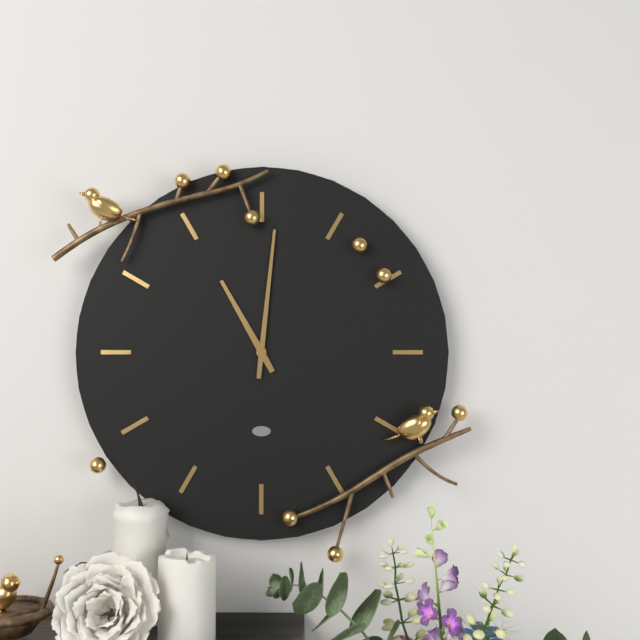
11 h 01 min
